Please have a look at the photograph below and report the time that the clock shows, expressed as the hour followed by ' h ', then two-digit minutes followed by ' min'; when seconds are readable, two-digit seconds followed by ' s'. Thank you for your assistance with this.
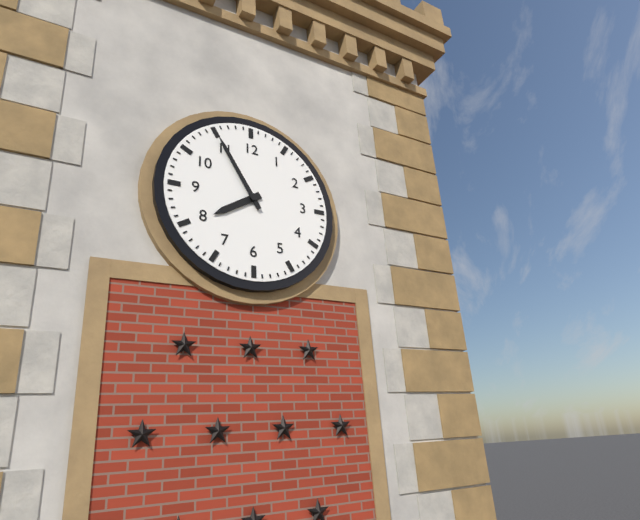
7 h 55 min
